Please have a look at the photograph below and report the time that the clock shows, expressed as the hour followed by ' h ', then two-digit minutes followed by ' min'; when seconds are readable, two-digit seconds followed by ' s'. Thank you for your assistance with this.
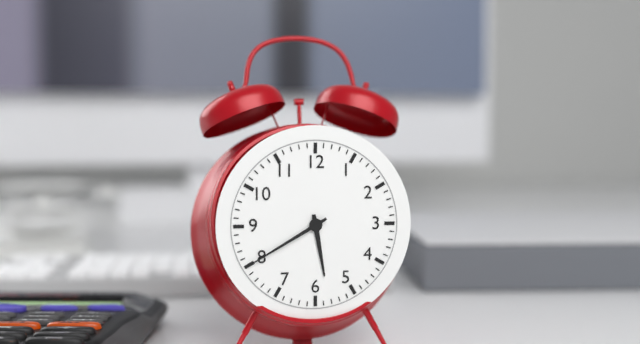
5 h 40 min
